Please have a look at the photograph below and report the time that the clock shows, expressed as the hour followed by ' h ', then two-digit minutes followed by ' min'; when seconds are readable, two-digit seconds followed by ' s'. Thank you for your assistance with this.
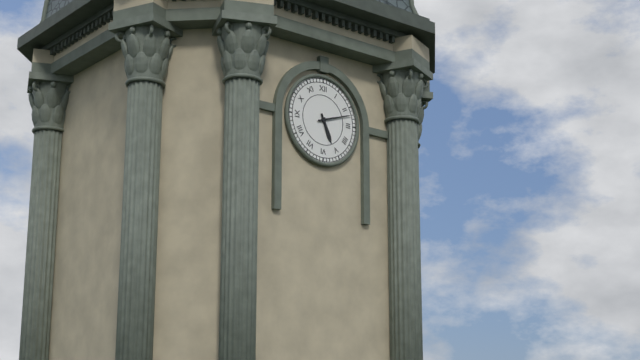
5 h 12 min
